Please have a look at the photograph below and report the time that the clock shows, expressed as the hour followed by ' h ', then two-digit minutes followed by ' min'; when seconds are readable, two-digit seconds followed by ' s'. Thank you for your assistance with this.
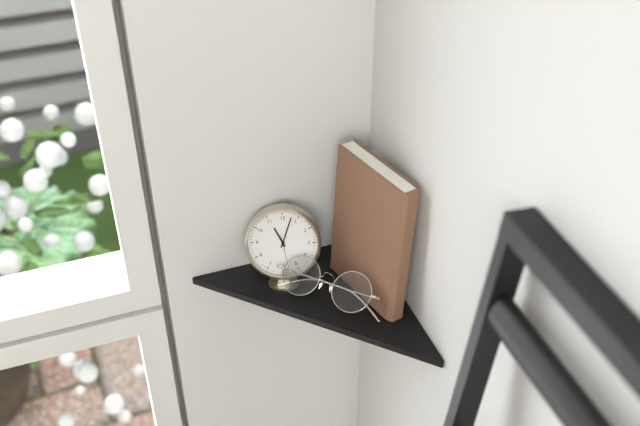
11 h 03 min
